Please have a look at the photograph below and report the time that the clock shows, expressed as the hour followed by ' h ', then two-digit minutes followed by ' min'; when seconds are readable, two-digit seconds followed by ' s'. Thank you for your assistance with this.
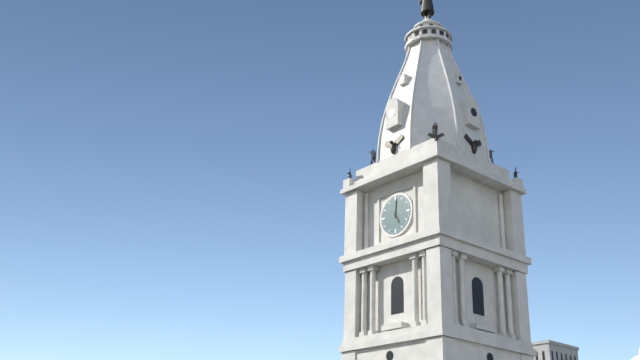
5 h 01 min
